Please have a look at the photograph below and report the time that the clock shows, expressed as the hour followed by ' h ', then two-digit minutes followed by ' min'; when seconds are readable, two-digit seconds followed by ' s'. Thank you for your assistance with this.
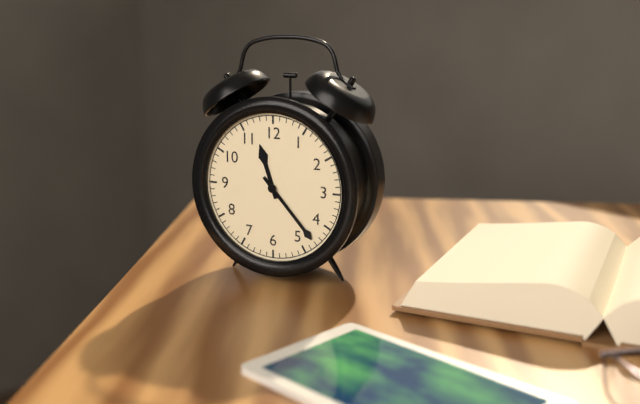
11 h 23 min
